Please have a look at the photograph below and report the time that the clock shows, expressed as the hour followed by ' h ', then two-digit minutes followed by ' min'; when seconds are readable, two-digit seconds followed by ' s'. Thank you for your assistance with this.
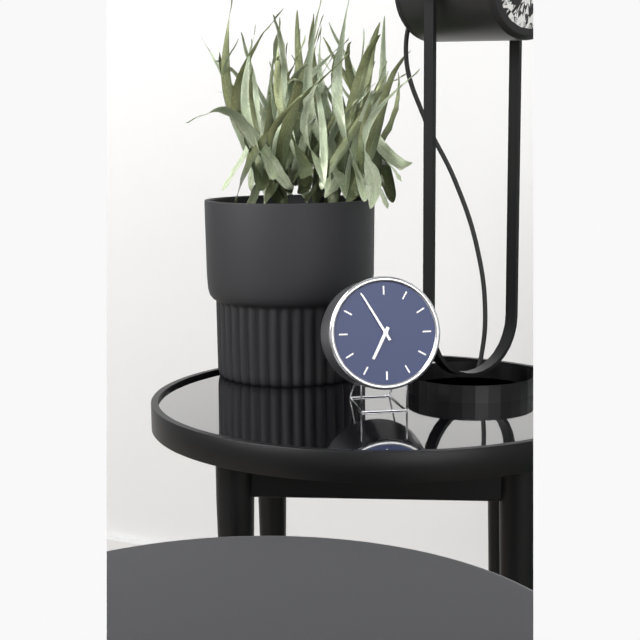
6 h 55 min
